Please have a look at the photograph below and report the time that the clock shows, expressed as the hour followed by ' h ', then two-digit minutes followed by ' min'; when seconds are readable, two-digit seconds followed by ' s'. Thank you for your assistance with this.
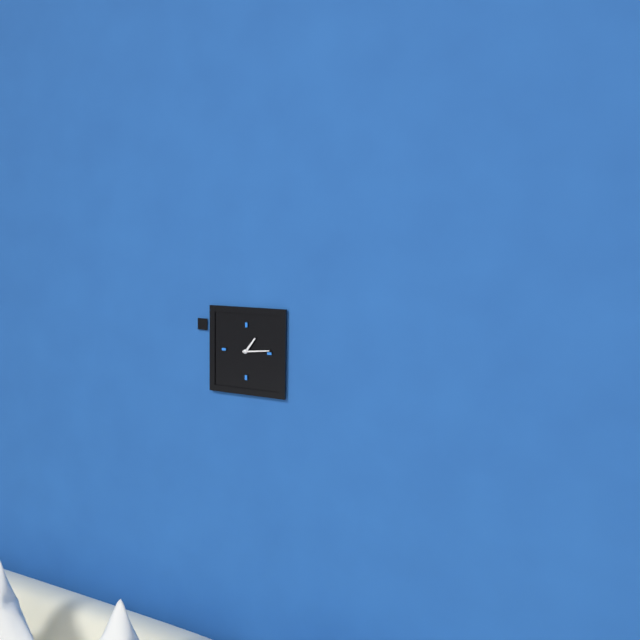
1 h 14 min
